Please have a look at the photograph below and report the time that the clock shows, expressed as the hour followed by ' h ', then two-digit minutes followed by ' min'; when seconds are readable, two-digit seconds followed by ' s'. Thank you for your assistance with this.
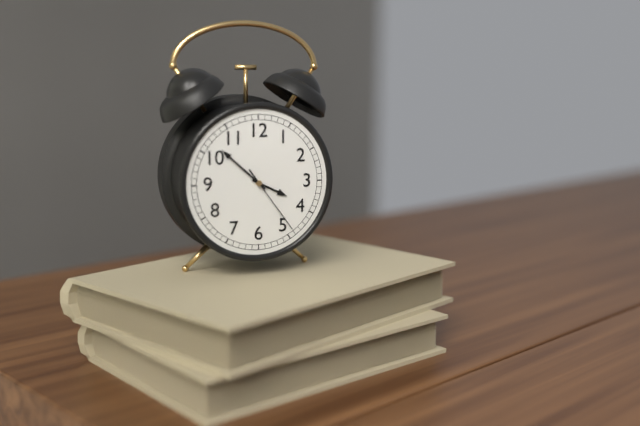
3 h 52 min 24 s
